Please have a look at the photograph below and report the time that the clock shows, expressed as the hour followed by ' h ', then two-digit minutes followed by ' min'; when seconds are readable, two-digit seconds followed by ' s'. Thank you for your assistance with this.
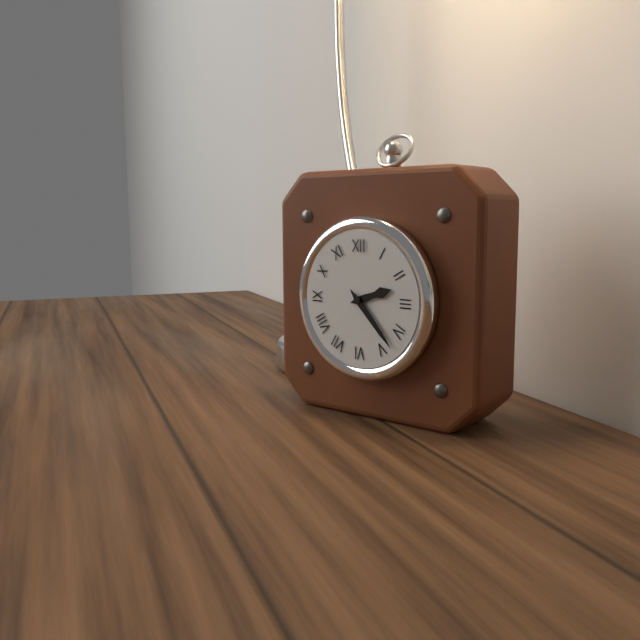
2 h 23 min
